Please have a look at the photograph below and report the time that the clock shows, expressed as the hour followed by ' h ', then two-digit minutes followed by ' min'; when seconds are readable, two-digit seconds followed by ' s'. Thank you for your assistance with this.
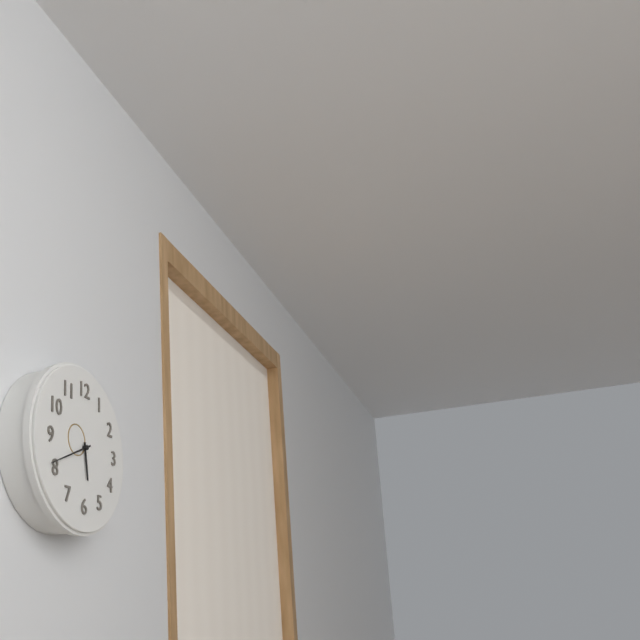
5 h 41 min
